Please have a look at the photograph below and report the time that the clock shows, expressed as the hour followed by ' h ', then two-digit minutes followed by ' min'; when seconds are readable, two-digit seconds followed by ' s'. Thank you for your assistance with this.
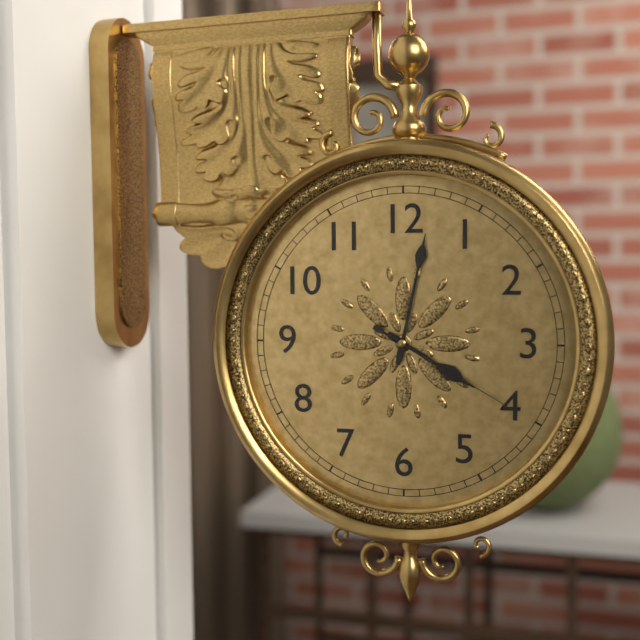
4 h 02 min 20 s
